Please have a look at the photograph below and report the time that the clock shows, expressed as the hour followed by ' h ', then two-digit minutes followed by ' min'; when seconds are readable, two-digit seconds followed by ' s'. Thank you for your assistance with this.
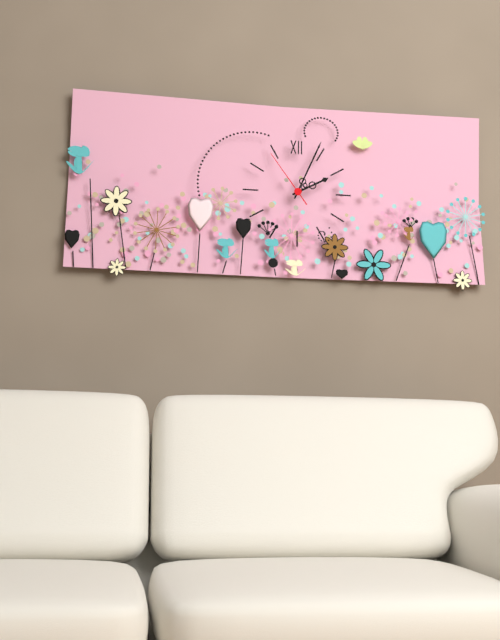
2 h 04 min 54 s
